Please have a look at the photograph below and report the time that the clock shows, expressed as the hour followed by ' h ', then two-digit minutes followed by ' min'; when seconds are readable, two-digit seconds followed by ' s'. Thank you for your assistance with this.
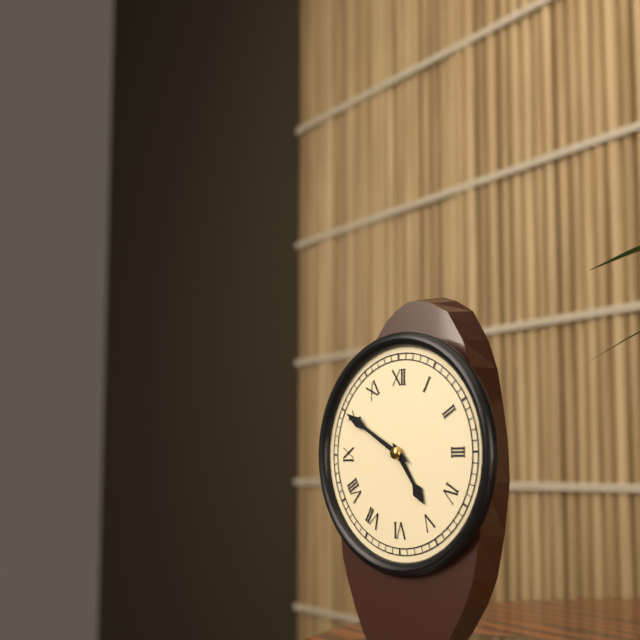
4 h 50 min
